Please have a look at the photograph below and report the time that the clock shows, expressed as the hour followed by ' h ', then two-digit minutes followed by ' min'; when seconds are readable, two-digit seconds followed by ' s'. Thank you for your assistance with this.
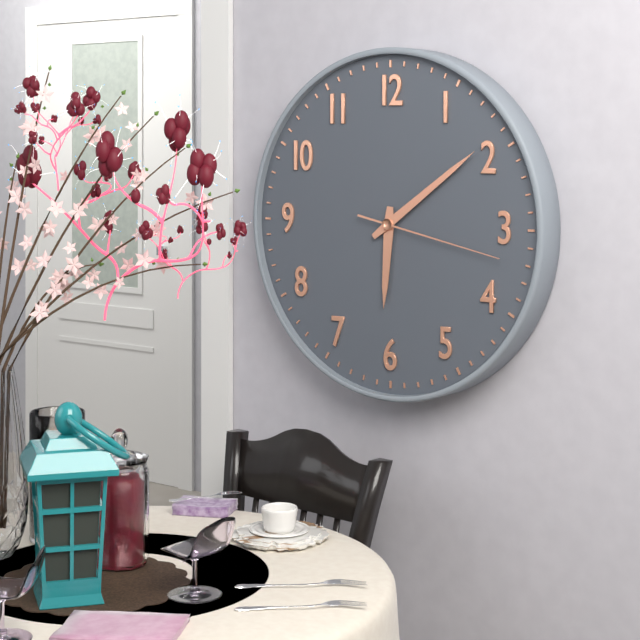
6 h 09 min 17 s
